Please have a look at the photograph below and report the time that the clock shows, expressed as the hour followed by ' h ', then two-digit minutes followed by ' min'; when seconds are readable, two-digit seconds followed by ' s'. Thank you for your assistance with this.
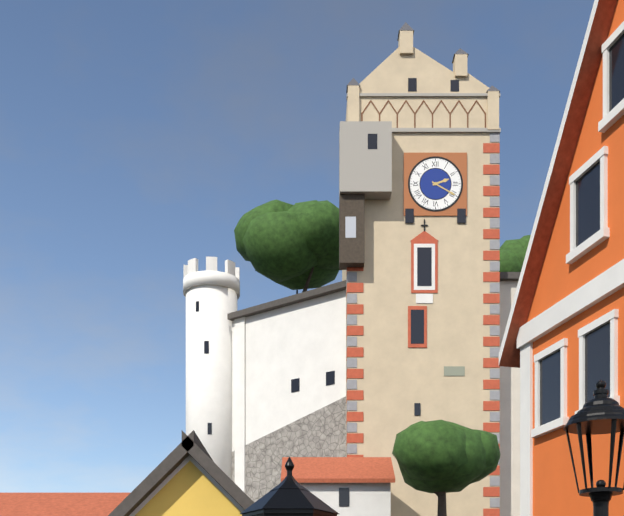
2 h 20 min
